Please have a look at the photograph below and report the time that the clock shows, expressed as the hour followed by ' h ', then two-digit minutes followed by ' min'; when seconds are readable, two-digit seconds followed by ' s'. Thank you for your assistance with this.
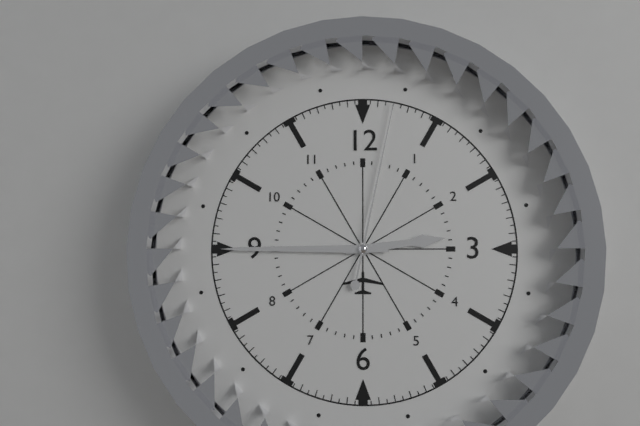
2 h 45 min 02 s
